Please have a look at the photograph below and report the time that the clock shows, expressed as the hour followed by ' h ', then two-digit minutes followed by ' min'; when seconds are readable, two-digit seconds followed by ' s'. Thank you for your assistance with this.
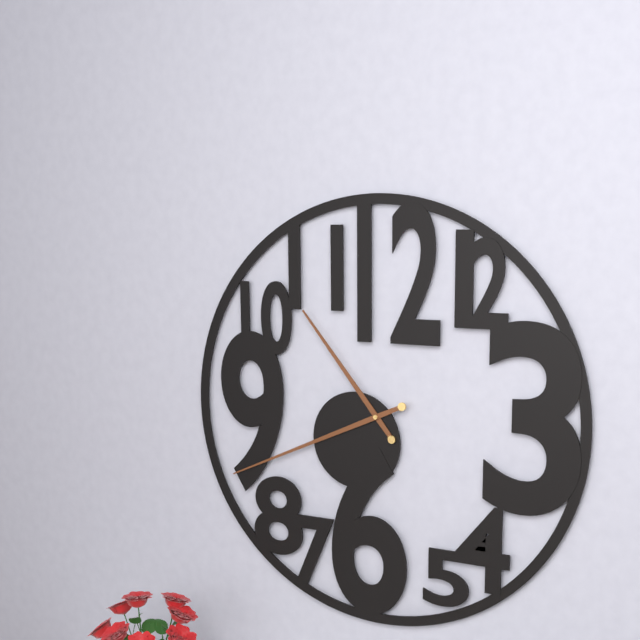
10 h 41 min
